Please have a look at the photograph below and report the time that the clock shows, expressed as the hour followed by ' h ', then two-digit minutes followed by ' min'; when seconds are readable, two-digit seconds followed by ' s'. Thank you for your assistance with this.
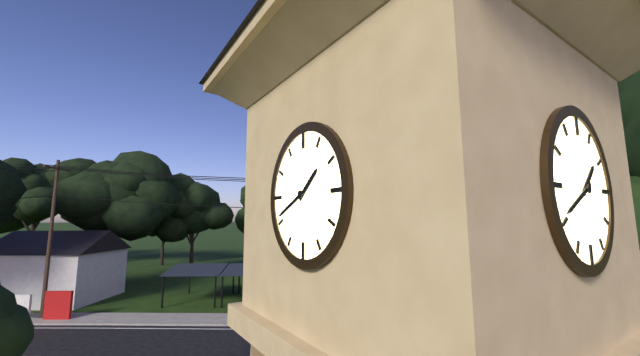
1 h 41 min
